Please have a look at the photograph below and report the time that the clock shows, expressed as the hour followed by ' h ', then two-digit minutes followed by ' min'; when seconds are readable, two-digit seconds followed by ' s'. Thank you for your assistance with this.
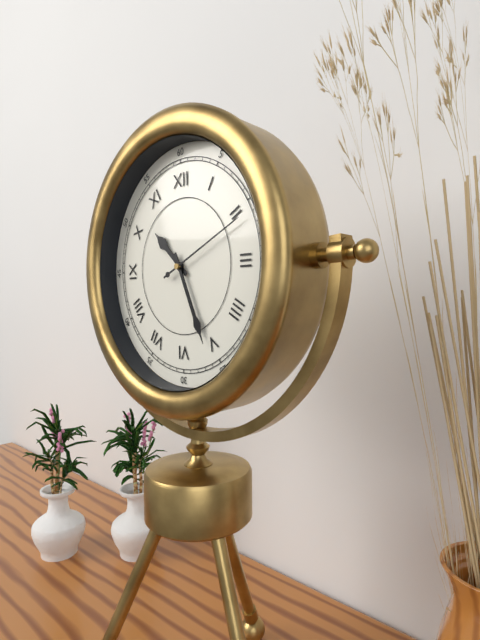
10 h 26 min 11 s
